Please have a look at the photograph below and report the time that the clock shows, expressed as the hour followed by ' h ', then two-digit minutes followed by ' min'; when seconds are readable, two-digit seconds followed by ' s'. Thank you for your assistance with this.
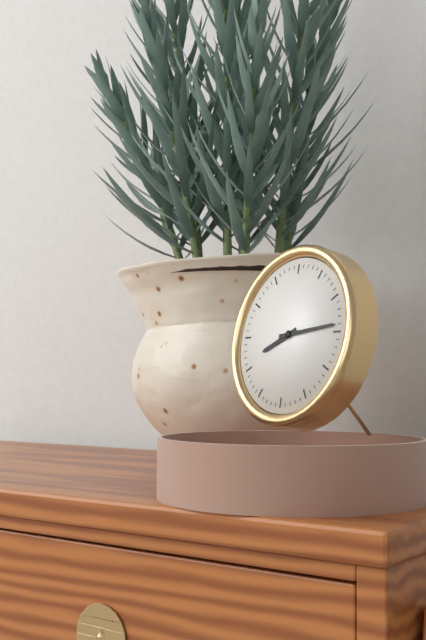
8 h 14 min
